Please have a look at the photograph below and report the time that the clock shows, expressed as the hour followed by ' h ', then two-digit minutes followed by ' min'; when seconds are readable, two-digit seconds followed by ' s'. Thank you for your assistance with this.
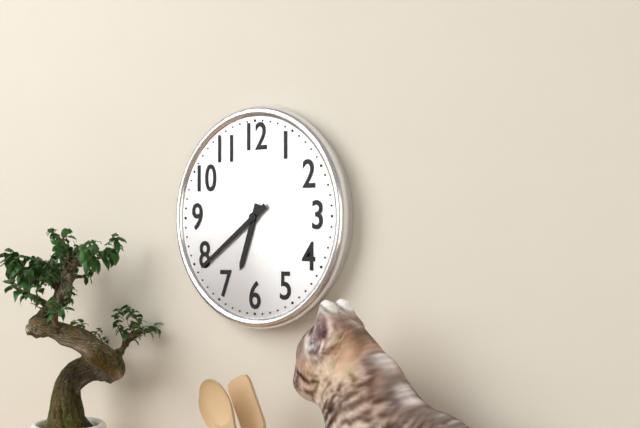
6 h 39 min
